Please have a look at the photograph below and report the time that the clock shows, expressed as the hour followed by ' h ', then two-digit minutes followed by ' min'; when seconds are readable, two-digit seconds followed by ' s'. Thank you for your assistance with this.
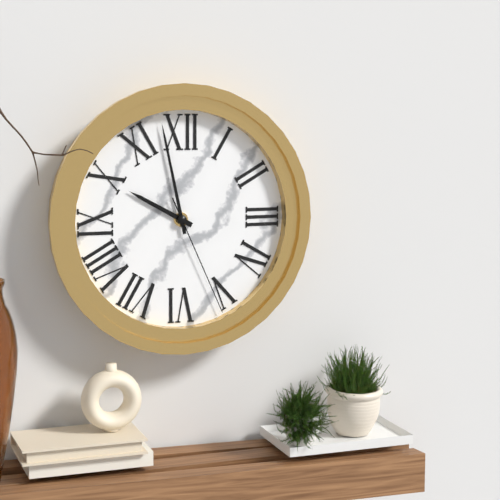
9 h 58 min 26 s
